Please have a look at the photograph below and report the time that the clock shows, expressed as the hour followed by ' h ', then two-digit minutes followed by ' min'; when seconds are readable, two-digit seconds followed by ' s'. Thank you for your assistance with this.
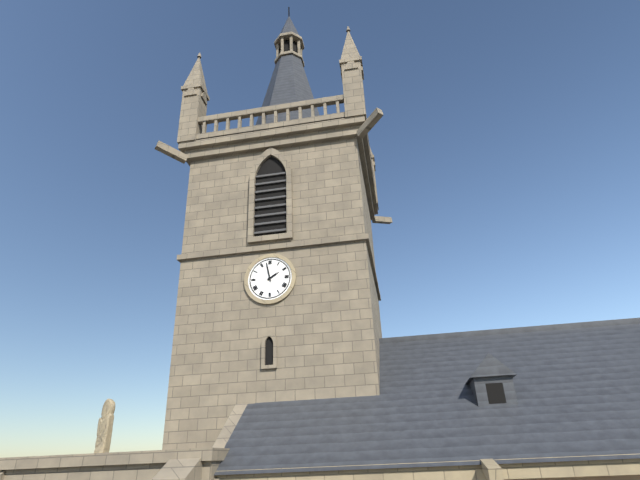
1 h 58 min
